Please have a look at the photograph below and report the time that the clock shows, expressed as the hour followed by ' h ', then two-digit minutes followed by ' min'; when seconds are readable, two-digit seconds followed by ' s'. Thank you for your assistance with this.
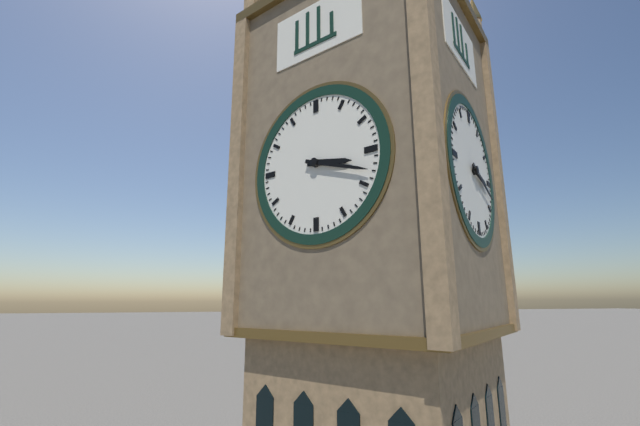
3 h 18 min
